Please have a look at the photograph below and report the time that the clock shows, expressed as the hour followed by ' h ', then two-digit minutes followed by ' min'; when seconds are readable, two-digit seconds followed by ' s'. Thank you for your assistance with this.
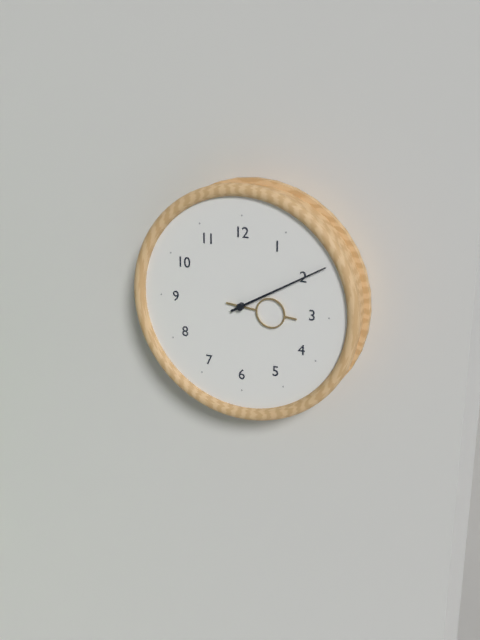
3 h 10 min
